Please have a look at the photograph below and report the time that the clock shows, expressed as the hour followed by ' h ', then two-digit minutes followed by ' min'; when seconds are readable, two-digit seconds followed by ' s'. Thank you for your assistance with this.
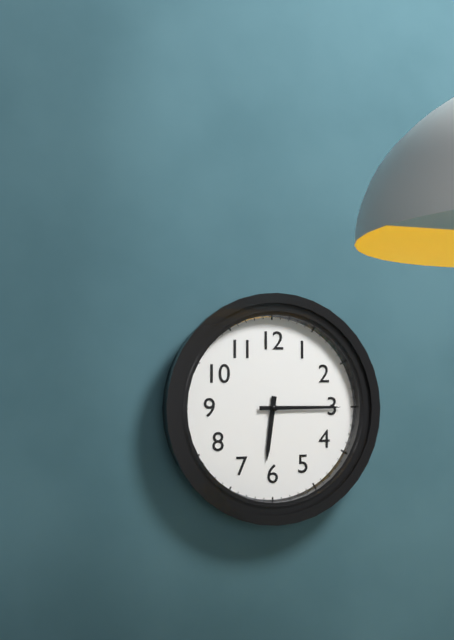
6 h 15 min
